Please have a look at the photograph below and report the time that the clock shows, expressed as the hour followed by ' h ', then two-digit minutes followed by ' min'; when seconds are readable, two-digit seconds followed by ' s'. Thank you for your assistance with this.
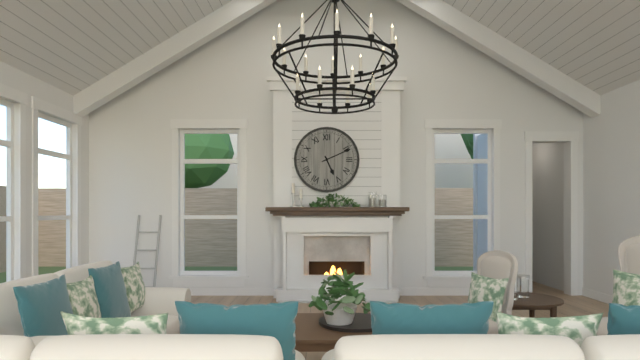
5 h 11 min
